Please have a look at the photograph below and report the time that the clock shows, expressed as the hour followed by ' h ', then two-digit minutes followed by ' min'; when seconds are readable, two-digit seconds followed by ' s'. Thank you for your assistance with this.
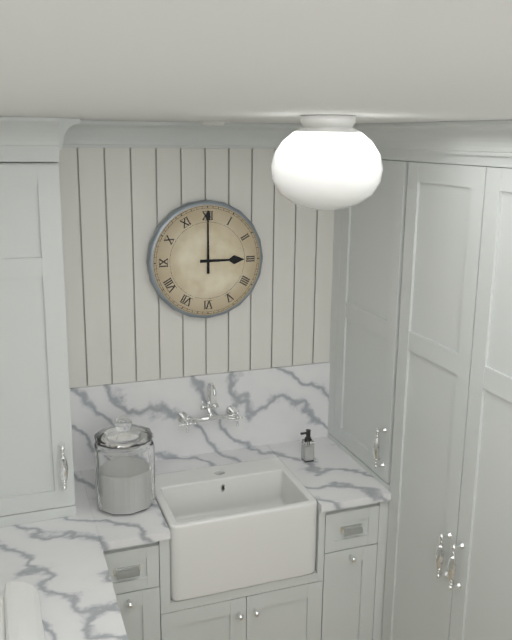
3 h 00 min
